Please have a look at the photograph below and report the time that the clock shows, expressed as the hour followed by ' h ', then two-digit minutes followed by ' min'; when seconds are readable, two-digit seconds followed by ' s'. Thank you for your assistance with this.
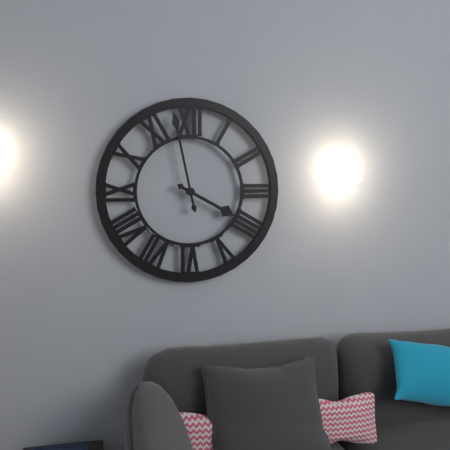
3 h 58 min
